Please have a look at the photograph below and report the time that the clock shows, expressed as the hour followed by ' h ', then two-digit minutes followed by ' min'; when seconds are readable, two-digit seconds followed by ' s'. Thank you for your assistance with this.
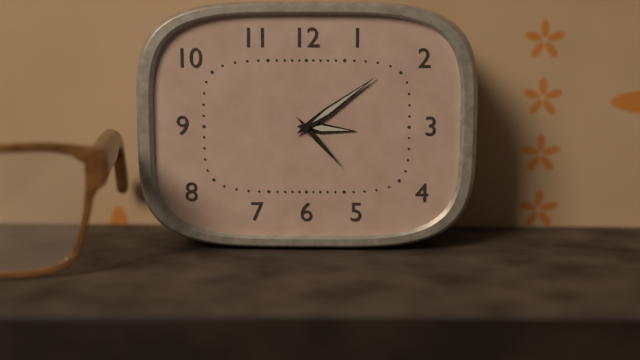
3 h 09 min 23 s
